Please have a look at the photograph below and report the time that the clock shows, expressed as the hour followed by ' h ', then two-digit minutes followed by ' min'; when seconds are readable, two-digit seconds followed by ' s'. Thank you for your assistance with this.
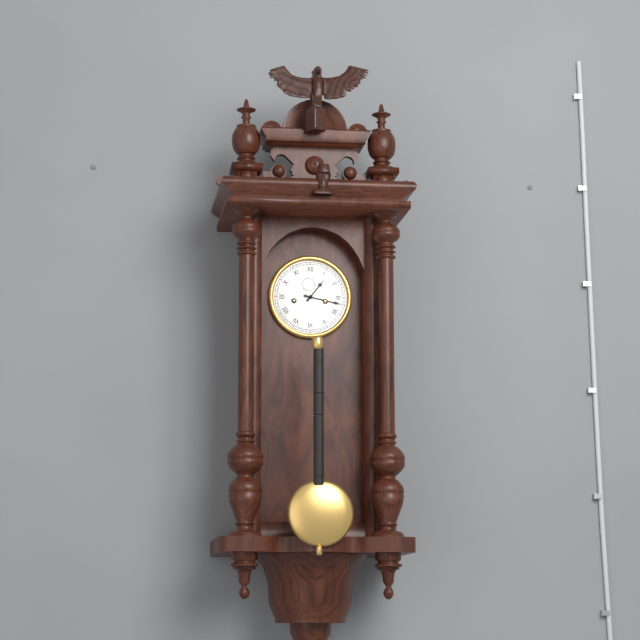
1 h 17 min
